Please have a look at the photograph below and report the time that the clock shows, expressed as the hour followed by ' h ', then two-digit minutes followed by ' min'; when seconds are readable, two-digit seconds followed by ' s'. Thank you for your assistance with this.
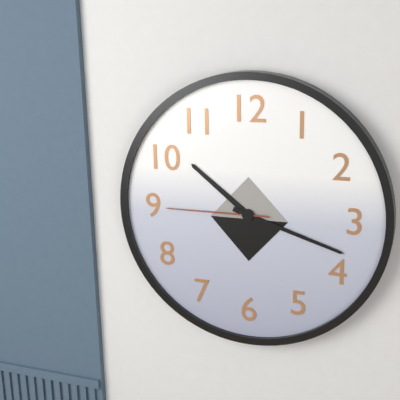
10 h 18 min 45 s
